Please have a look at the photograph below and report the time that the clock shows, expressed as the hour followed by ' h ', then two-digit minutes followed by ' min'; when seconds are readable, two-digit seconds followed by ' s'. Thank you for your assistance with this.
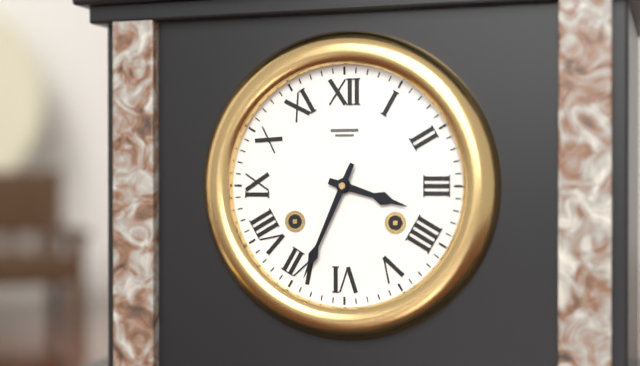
3 h 34 min
